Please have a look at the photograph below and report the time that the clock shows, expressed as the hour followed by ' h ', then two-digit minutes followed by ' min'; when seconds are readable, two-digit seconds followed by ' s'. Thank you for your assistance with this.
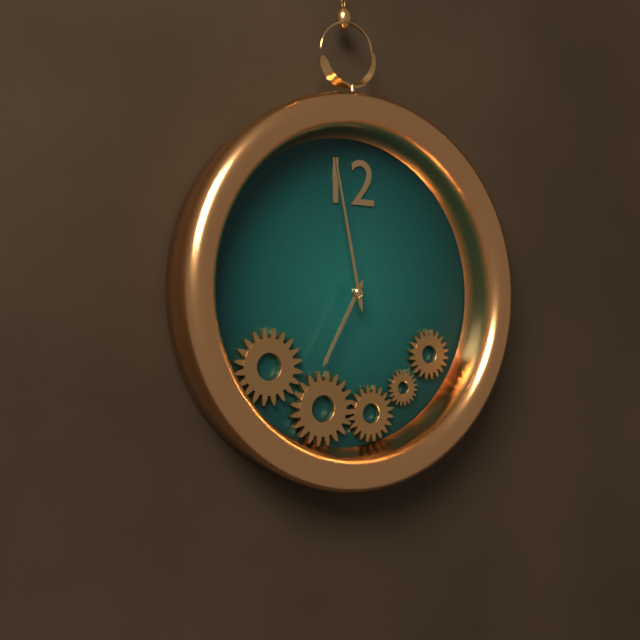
6 h 58 min
